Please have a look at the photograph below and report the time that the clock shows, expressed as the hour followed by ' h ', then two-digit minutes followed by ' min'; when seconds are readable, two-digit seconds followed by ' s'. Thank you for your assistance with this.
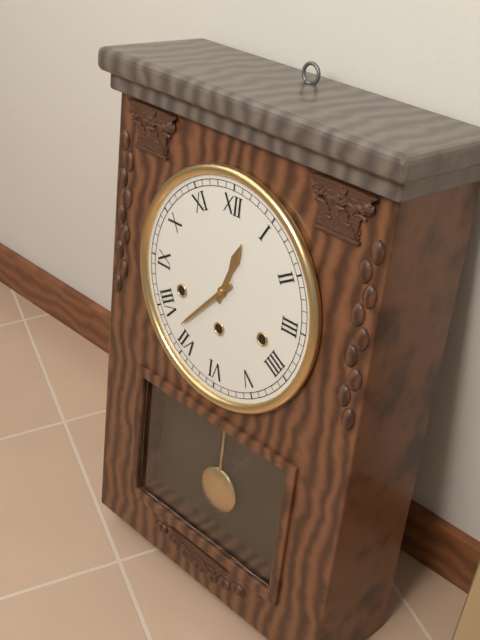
12 h 37 min
